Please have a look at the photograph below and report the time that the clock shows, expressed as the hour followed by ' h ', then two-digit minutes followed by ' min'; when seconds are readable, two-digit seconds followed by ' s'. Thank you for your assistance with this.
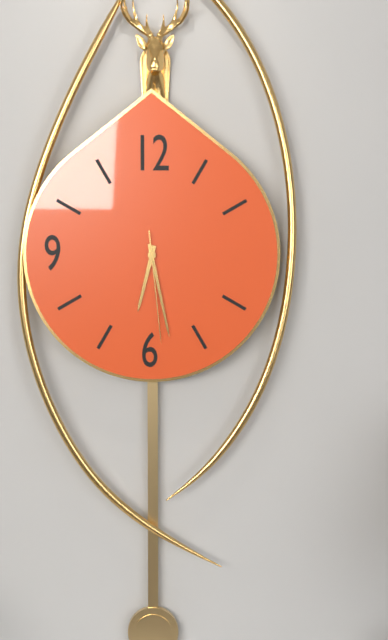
6 h 28 min 29 s
